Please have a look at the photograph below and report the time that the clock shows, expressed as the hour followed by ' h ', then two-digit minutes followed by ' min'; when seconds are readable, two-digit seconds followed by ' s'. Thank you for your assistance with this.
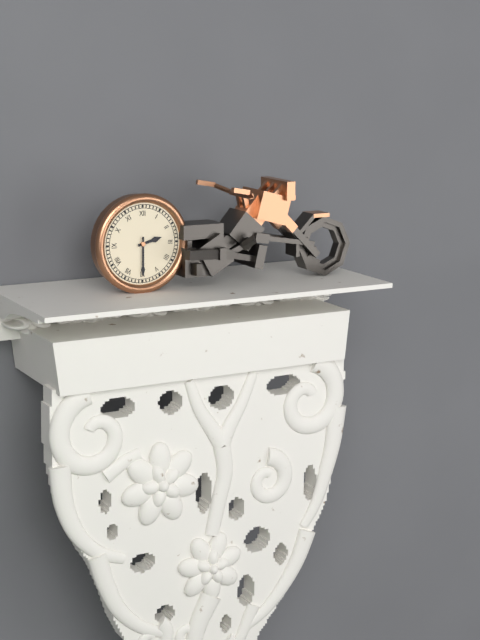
2 h 30 min
